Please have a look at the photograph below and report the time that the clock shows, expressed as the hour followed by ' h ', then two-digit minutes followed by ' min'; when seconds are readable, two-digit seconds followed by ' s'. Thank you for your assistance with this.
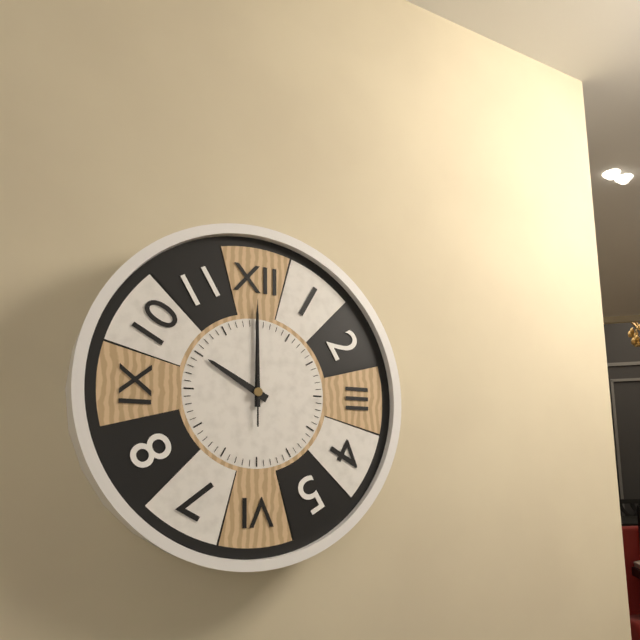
10 h 00 min 00 s
